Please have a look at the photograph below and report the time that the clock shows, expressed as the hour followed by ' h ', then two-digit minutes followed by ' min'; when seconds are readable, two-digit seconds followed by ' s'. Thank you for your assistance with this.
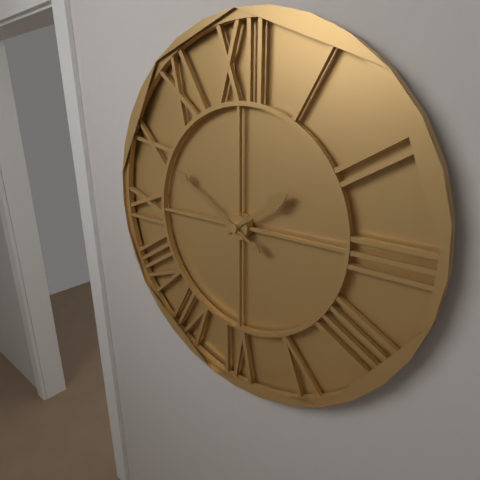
1 h 50 min
